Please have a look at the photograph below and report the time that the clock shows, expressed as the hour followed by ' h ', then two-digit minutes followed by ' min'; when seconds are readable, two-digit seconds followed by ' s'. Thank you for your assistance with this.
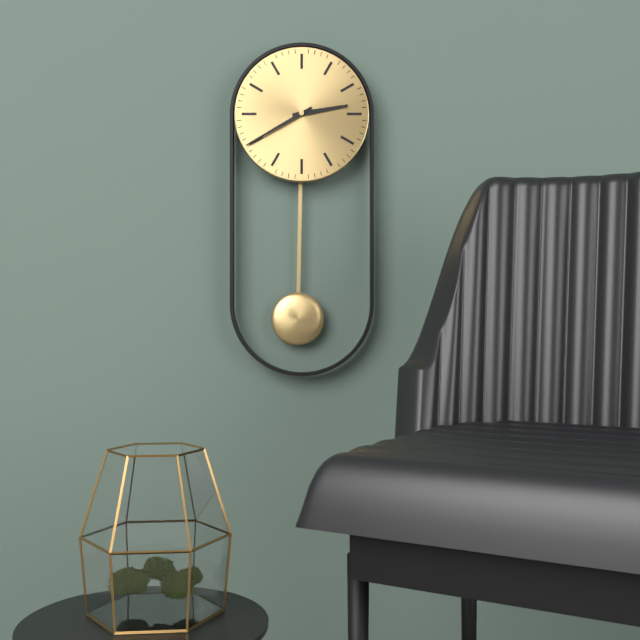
2 h 40 min
